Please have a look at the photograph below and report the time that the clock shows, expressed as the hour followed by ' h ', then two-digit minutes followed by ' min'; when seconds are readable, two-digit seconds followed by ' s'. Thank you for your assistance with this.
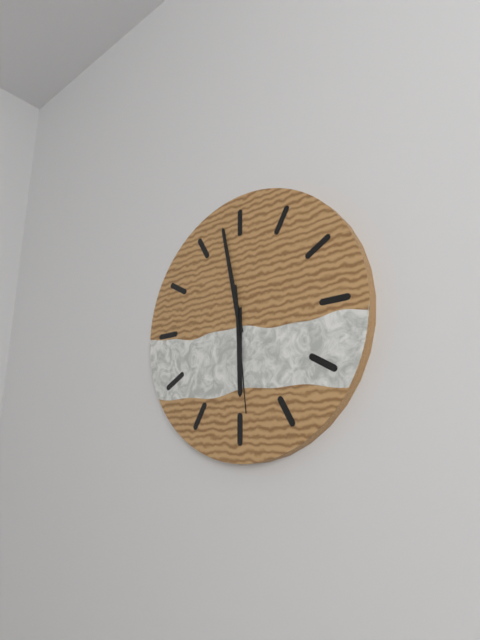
5 h 58 min 29 s
